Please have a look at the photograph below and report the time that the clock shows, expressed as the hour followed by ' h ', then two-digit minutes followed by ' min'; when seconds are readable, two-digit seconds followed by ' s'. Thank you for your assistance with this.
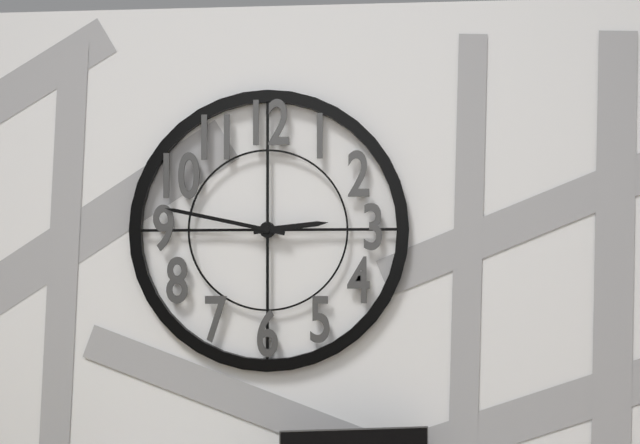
2 h 47 min
